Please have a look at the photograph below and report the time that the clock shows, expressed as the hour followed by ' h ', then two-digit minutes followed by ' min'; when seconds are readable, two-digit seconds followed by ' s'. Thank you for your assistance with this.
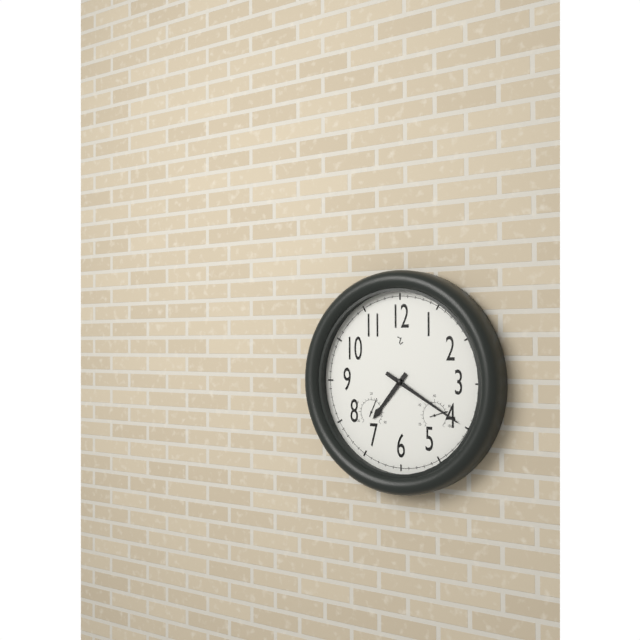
7 h 20 min
